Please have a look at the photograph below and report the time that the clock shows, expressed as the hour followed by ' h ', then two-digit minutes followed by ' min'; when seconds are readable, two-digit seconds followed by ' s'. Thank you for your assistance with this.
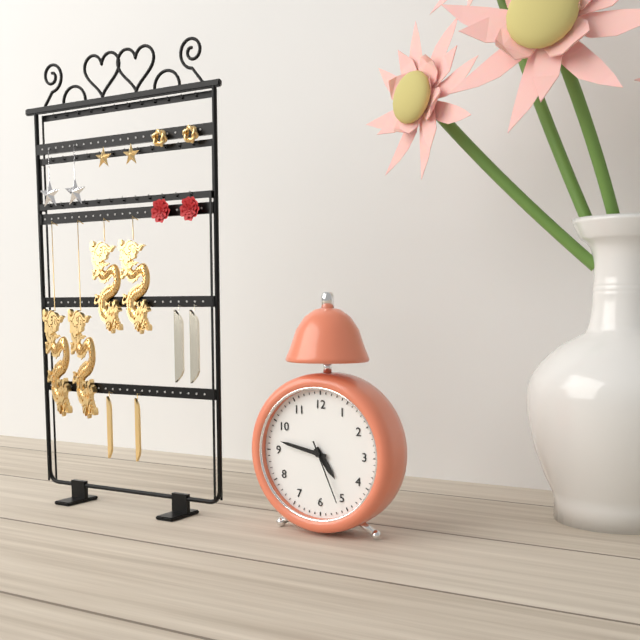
4 h 47 min 26 s
